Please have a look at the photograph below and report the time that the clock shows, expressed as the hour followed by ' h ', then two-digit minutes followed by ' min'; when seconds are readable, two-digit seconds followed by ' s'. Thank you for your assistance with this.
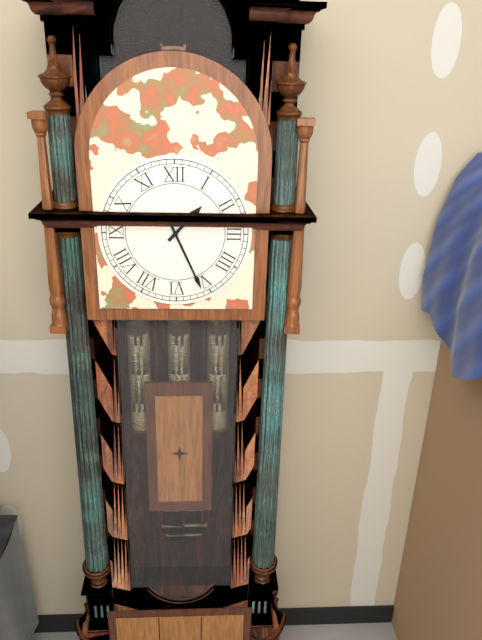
1 h 26 min
